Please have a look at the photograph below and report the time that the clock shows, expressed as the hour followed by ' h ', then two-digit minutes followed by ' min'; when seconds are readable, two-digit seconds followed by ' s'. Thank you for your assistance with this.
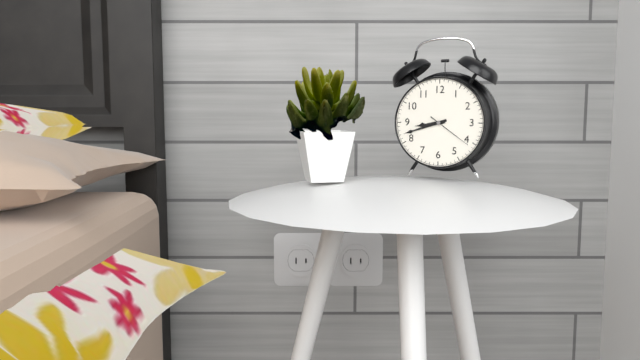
8 h 42 min
